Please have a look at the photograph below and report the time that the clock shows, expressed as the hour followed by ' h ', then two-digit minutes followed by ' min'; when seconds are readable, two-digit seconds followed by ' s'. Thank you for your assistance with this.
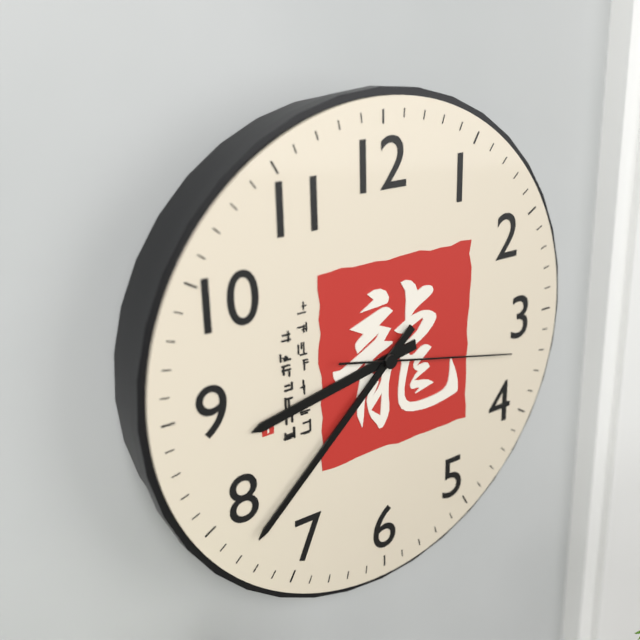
8 h 38 min 17 s
